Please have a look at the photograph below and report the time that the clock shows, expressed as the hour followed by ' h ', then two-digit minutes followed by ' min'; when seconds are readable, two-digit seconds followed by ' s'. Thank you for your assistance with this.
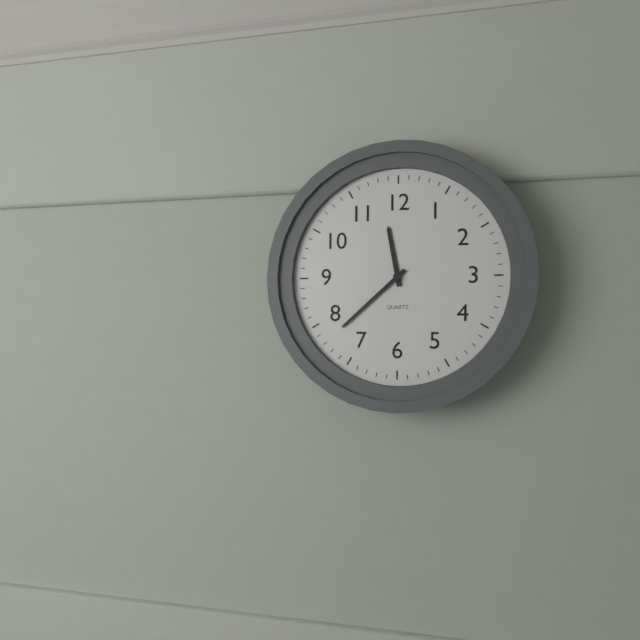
11 h 38 min
